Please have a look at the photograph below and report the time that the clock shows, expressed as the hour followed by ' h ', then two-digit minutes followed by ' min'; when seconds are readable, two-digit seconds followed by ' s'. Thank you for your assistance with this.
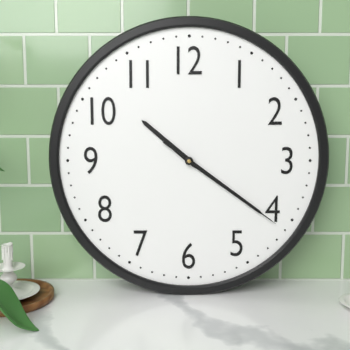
10 h 21 min 21 s
